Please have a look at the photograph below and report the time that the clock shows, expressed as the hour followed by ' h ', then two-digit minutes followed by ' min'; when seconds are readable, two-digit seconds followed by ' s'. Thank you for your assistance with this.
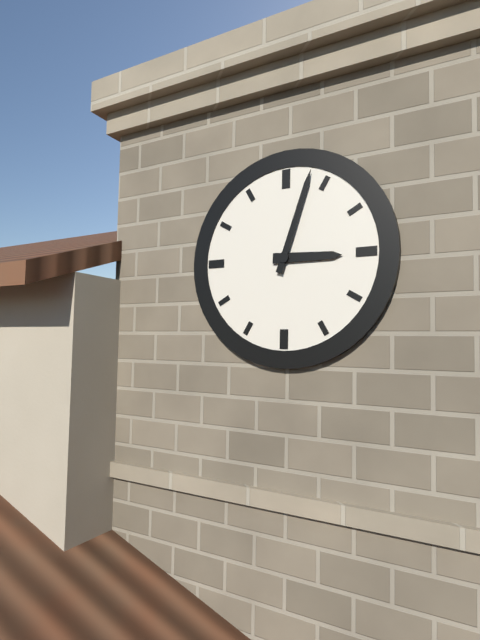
3 h 03 min
